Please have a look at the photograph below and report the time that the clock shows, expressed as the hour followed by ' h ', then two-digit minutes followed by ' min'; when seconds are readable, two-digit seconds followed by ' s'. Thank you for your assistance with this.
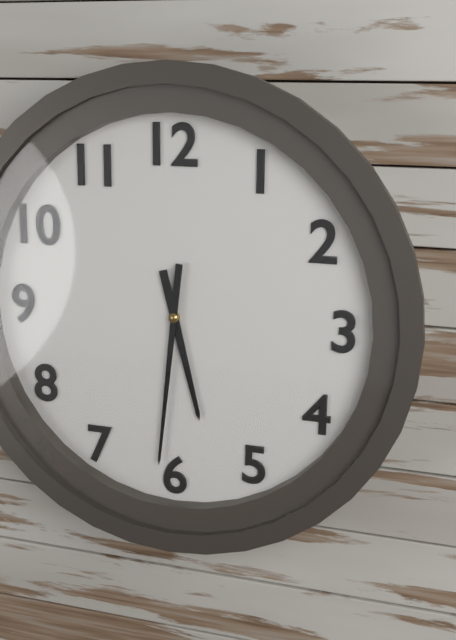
5 h 31 min
